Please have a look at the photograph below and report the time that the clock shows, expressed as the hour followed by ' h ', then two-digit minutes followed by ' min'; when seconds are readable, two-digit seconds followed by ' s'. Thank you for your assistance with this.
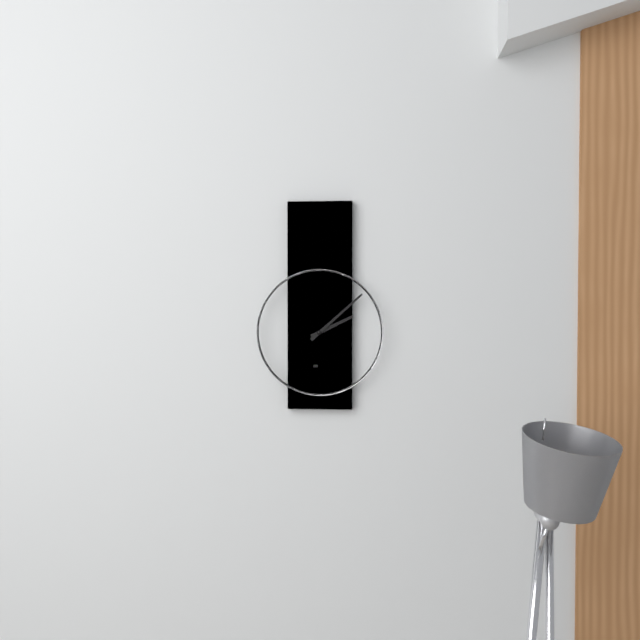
2 h 08 min
